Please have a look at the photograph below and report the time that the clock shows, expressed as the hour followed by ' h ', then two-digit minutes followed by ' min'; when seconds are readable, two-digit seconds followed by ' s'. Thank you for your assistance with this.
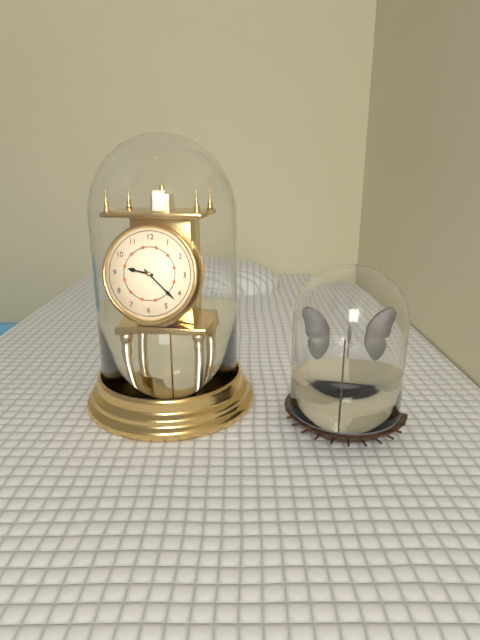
9 h 22 min
